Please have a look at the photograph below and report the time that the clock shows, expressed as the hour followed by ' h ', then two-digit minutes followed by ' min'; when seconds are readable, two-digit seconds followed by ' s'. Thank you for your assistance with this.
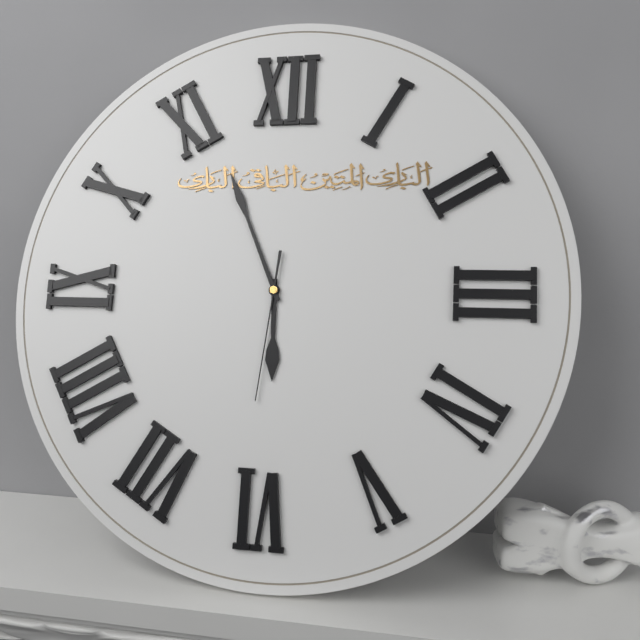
5 h 56 min 31 s
